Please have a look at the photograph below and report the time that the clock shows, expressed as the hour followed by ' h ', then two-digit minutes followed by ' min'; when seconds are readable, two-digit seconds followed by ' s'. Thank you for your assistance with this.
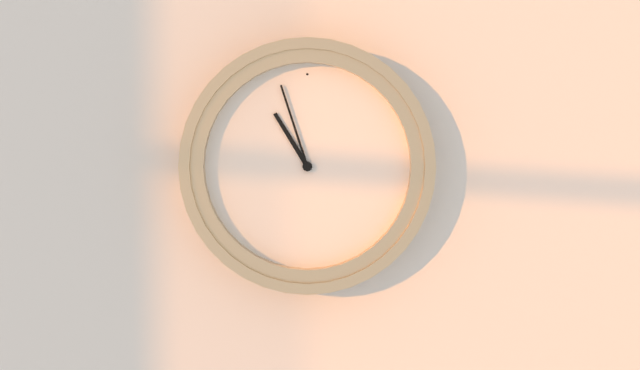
10 h 57 min
